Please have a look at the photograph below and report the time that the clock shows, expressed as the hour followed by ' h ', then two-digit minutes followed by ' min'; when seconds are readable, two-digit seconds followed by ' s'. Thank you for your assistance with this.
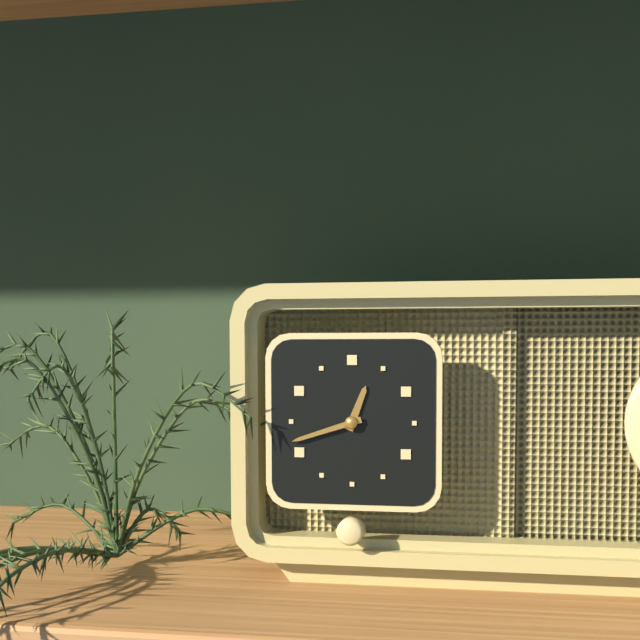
12 h 42 min
